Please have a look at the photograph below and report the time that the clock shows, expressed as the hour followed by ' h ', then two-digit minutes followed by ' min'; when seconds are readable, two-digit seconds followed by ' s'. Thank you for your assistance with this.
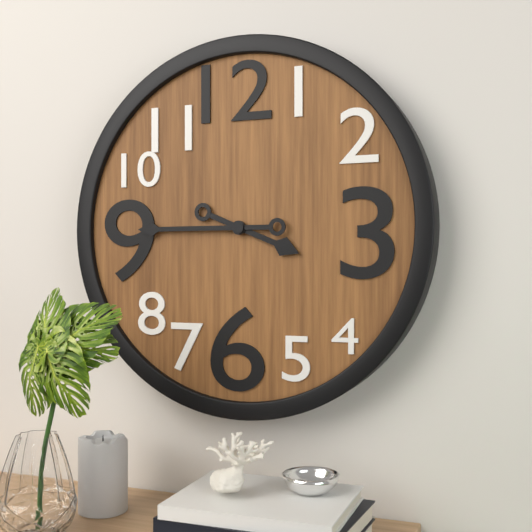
3 h 45 min
